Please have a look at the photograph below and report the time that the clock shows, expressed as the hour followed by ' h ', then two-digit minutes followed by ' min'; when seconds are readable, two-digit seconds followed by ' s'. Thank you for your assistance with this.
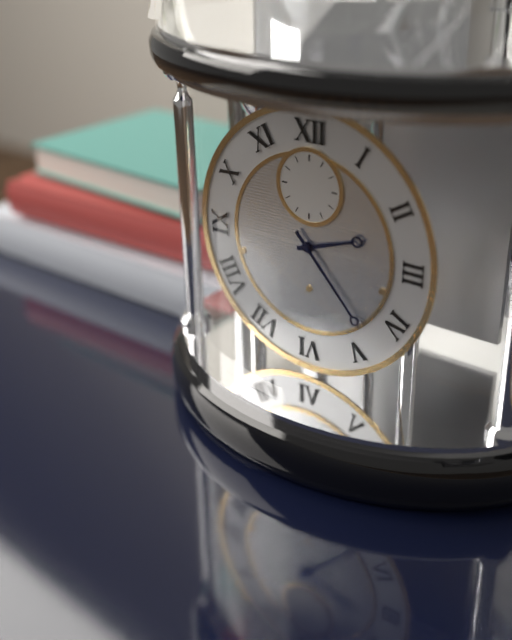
2 h 23 min
